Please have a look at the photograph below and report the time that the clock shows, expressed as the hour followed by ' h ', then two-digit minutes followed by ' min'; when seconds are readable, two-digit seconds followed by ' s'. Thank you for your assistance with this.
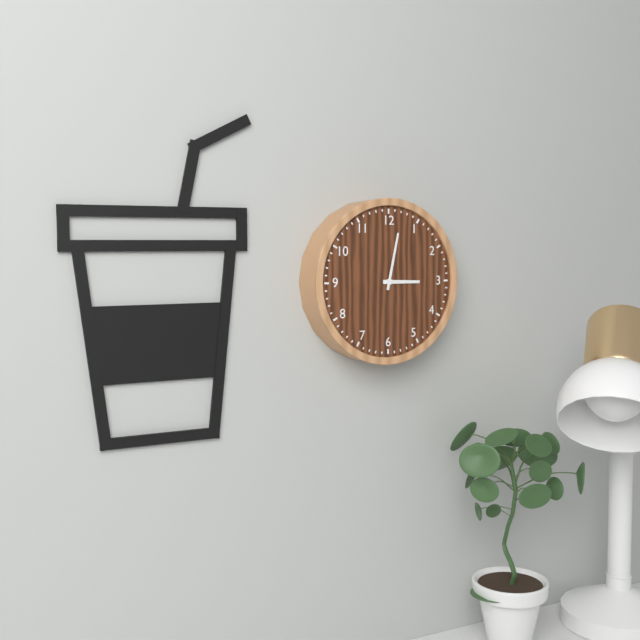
3 h 02 min
